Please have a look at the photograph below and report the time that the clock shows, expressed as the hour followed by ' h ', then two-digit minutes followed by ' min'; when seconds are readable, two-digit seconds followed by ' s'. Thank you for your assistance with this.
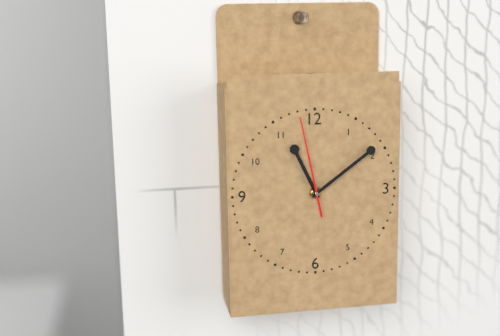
11 h 09 min 58 s
